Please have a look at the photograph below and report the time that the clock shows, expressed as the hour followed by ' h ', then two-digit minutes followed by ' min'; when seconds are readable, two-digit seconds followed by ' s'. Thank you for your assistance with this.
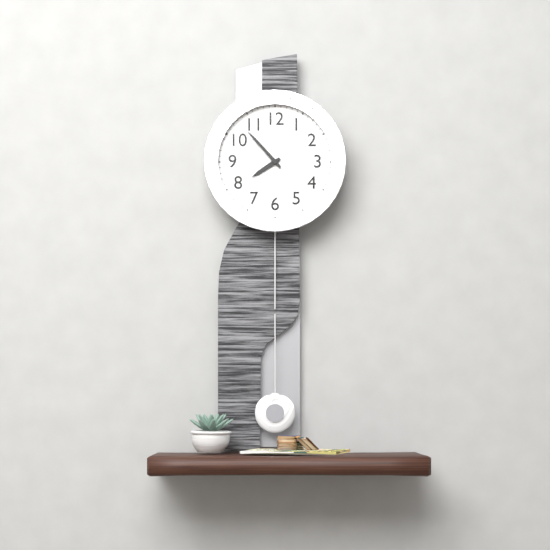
7 h 53 min
